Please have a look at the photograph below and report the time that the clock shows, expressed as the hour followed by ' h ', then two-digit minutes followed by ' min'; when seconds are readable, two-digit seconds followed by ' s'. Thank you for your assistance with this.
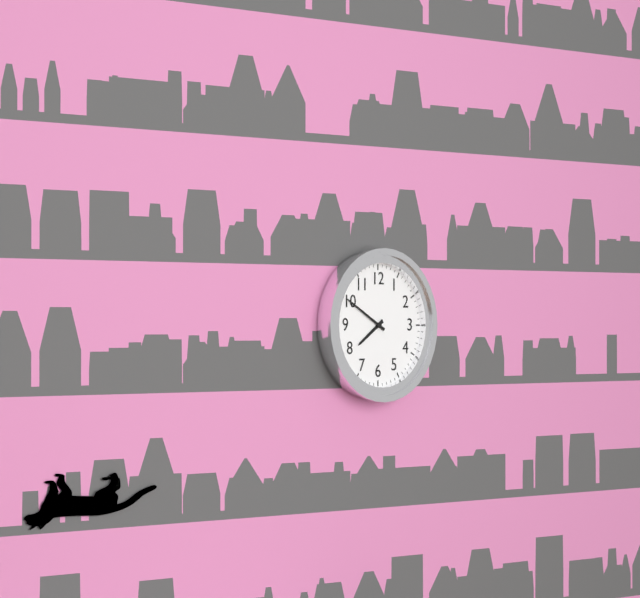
7 h 50 min
